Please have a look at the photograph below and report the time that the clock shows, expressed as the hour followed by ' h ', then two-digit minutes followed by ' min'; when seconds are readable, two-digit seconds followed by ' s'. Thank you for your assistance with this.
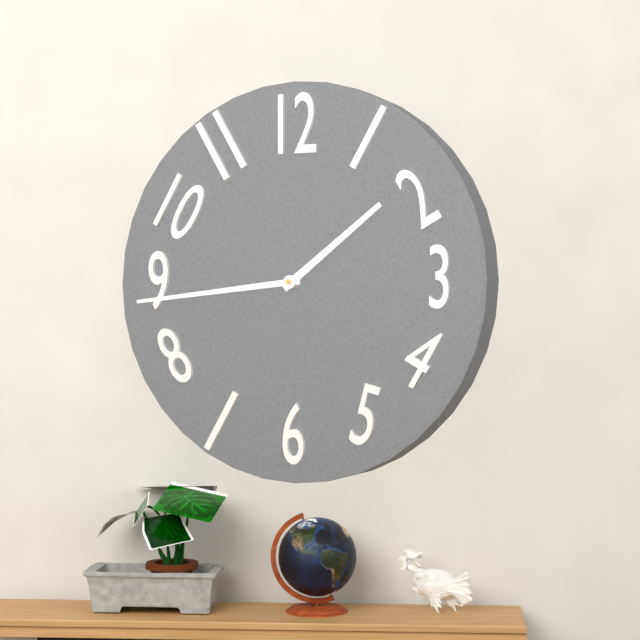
1 h 44 min
